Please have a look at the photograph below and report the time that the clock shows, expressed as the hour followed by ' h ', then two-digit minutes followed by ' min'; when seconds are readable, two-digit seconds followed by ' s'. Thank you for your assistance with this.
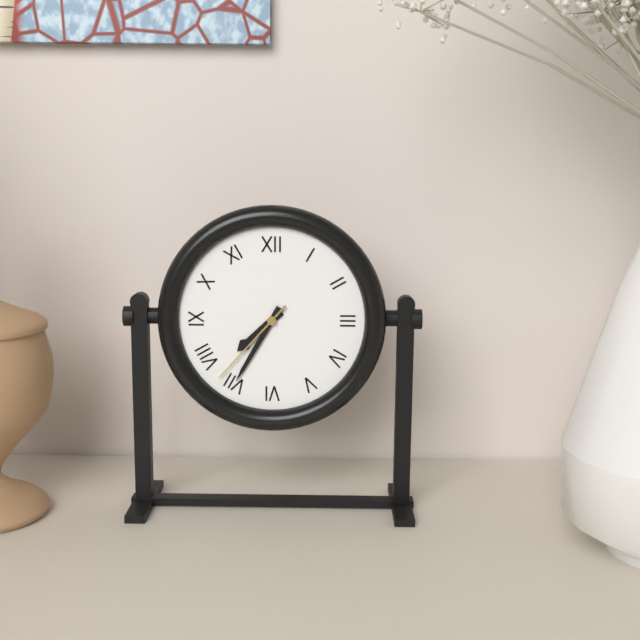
7 h 35 min 37 s
